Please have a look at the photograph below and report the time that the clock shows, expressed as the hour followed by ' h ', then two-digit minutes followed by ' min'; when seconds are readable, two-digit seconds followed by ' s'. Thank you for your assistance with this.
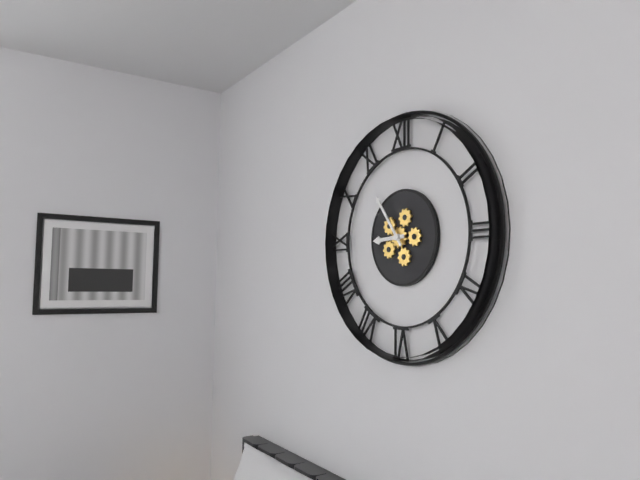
8 h 54 min
